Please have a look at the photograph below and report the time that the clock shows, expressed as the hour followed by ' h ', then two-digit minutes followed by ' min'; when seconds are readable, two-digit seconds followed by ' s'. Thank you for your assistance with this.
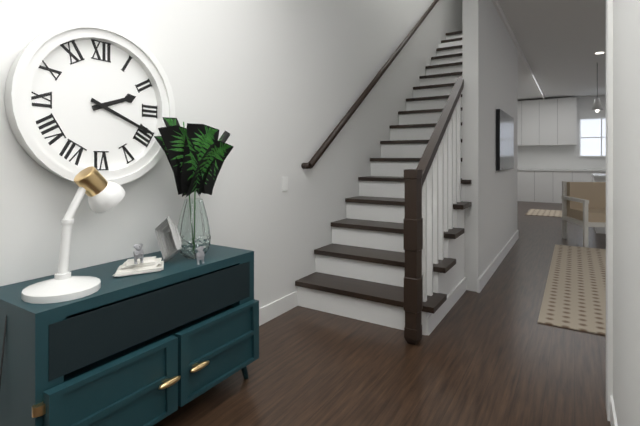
2 h 19 min
